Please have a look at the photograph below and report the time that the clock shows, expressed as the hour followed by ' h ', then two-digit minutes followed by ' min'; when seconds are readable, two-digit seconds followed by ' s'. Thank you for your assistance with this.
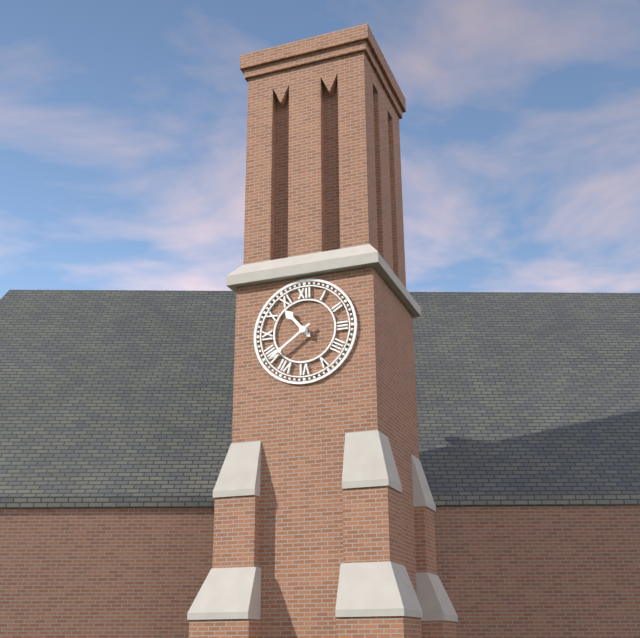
10 h 39 min
